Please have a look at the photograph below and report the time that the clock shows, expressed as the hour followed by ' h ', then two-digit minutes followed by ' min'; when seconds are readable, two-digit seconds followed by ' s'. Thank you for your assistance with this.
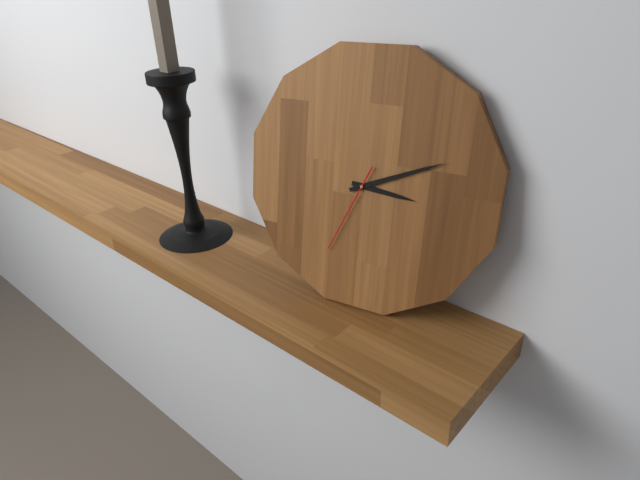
3 h 11 min 34 s
